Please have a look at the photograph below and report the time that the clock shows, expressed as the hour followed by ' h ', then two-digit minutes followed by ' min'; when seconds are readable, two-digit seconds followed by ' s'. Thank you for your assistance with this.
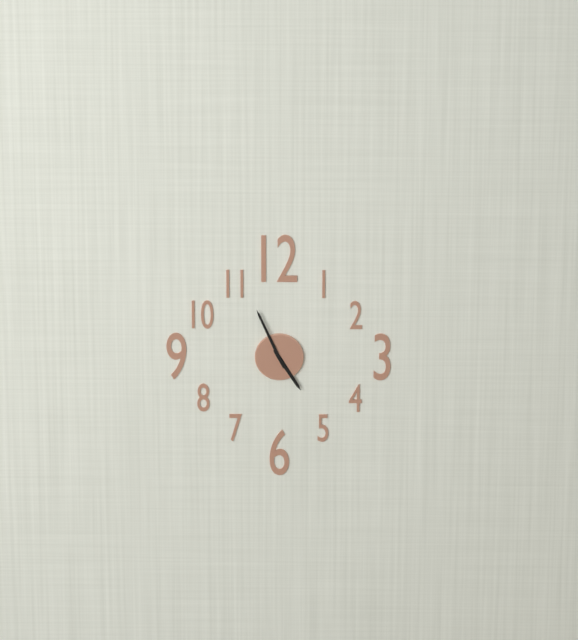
4 h 56 min
